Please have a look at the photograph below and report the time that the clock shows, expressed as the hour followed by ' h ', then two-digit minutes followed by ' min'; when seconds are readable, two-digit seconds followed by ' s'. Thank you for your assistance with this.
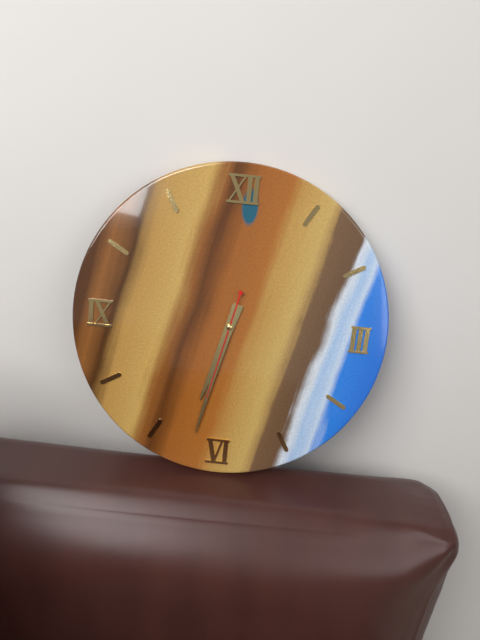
6 h 32 min 32 s
